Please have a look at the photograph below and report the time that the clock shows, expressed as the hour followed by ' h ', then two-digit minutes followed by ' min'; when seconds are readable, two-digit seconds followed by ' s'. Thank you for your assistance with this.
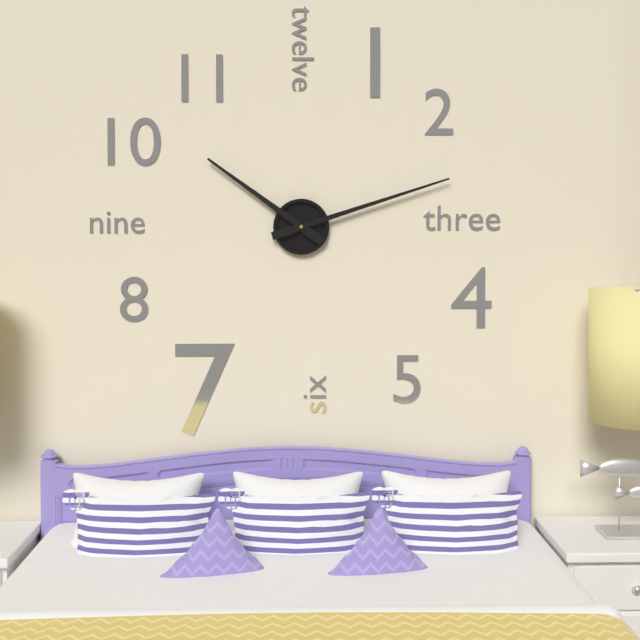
10 h 12 min
